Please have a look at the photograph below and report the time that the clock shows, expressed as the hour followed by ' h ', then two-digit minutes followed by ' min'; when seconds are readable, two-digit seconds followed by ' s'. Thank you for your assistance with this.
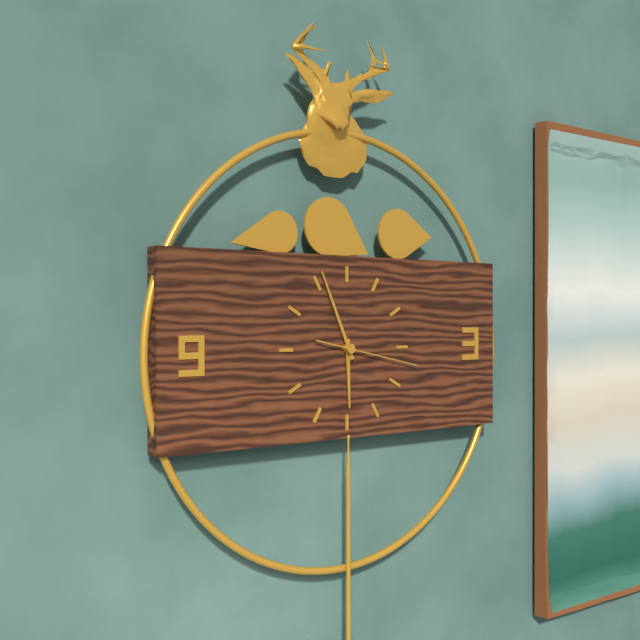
5 h 56 min 17 s
